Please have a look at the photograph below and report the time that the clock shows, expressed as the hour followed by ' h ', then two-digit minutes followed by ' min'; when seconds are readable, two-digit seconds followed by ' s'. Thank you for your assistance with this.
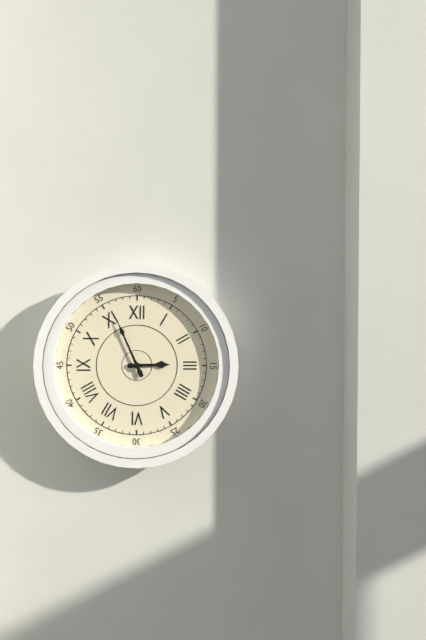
2 h 56 min
